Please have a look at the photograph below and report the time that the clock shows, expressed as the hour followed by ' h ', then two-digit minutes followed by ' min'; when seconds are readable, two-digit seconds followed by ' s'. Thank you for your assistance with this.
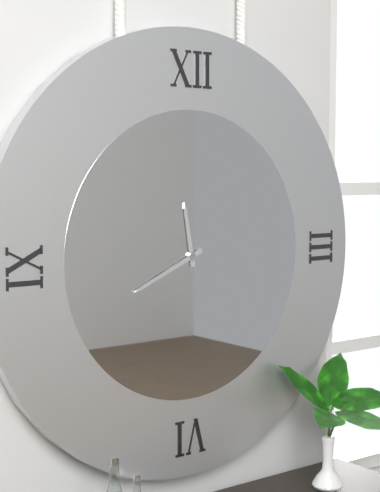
11 h 41 min
